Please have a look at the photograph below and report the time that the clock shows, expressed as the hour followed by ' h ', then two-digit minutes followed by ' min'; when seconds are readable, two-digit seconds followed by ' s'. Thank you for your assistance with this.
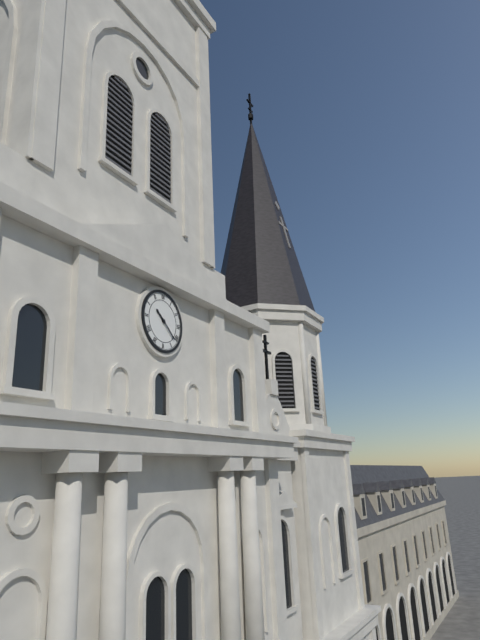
10 h 22 min
